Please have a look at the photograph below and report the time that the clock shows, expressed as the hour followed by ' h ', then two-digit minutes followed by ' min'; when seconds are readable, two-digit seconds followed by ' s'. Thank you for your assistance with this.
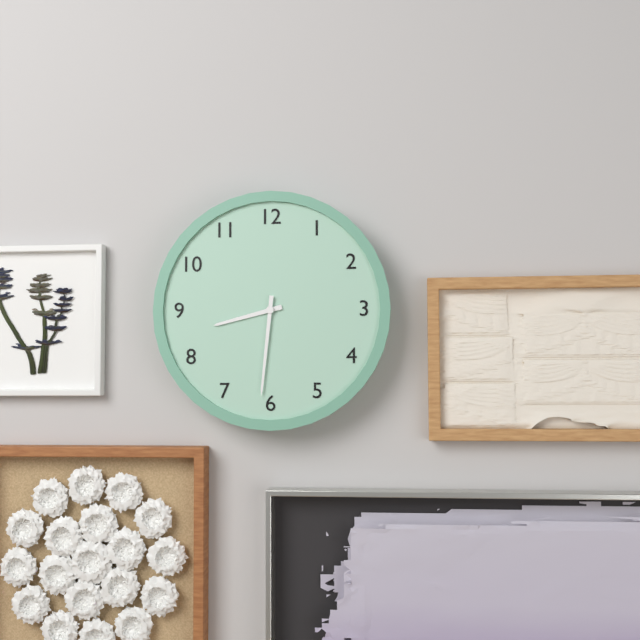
8 h 31 min
